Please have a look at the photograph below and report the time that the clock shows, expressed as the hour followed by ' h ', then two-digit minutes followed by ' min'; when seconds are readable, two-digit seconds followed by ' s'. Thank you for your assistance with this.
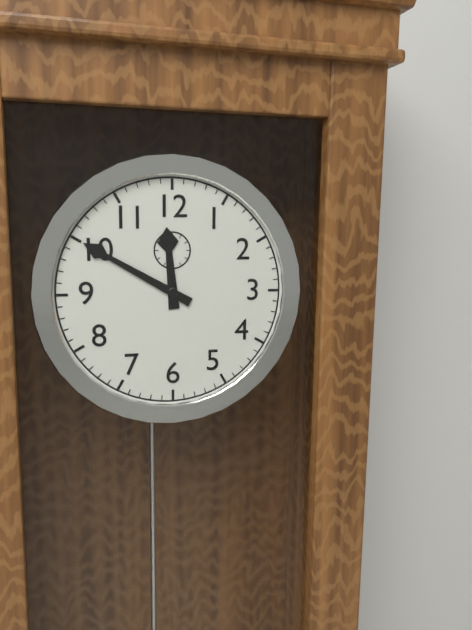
11 h 50 min
